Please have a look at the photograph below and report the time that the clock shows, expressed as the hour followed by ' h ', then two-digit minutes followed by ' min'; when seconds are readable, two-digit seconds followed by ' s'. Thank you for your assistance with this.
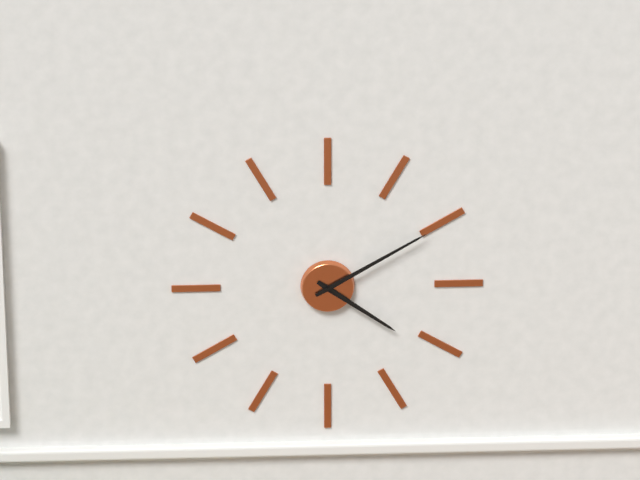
4 h 10 min
